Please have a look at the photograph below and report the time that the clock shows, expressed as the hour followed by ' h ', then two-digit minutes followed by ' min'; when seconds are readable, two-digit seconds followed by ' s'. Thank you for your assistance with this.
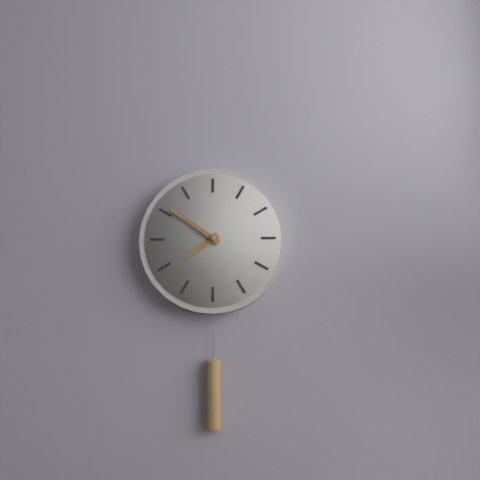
7 h 51 min
